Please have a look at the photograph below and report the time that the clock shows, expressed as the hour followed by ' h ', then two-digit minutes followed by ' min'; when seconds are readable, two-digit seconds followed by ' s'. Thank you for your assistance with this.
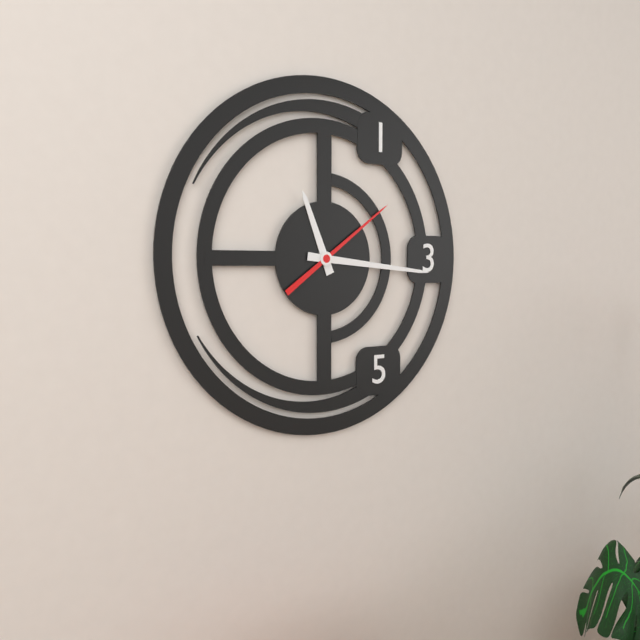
11 h 16 min 09 s
